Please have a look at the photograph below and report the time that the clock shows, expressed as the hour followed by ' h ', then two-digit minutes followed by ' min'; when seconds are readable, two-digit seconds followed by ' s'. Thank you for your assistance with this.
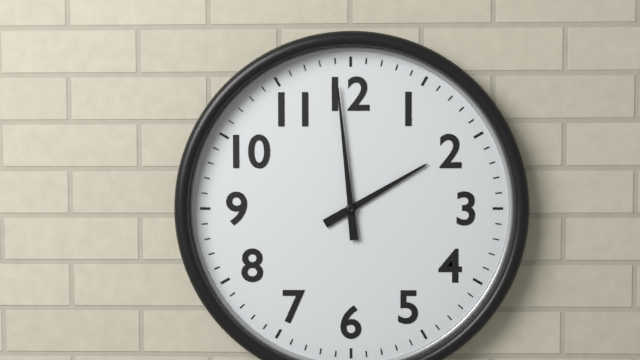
1 h 59 min
